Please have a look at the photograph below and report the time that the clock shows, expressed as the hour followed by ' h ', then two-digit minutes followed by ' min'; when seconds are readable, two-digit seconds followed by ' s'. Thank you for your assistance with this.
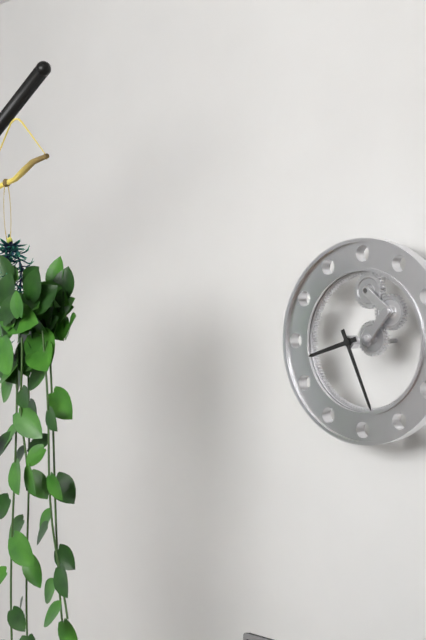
8 h 26 min
